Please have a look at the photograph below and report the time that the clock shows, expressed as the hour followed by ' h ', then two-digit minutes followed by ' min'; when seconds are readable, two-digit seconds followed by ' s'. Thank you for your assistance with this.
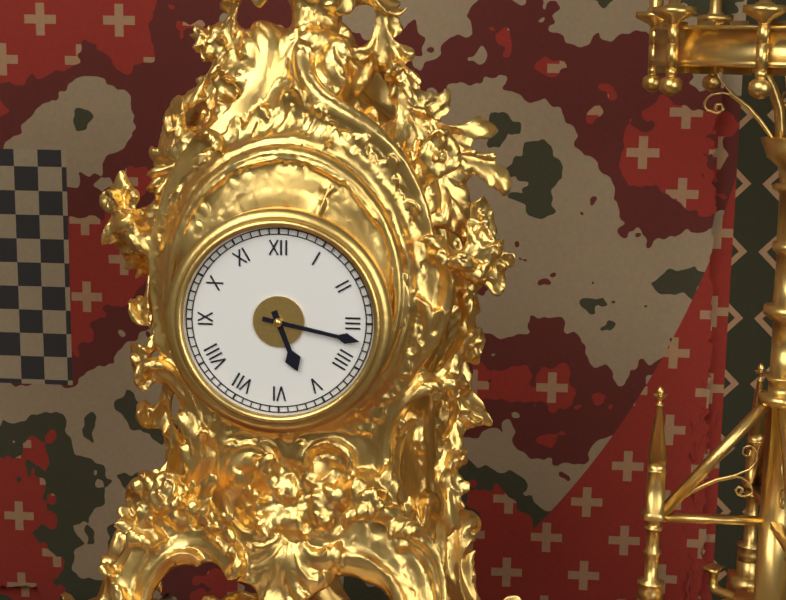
5 h 17 min
